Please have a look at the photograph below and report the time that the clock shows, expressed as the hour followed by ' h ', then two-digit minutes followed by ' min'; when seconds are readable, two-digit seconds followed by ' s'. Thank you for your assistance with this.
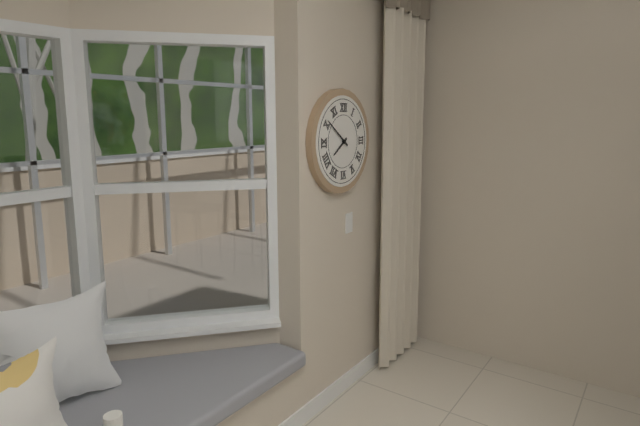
7 h 51 min
